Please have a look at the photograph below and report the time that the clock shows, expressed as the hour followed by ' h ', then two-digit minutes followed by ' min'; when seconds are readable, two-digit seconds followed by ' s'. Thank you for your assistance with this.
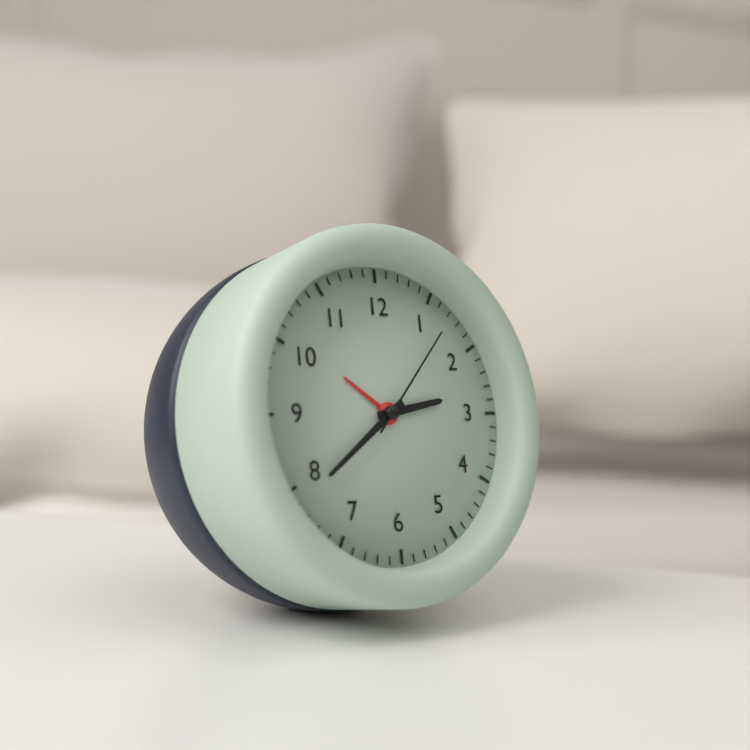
2 h 39 min 07 s
